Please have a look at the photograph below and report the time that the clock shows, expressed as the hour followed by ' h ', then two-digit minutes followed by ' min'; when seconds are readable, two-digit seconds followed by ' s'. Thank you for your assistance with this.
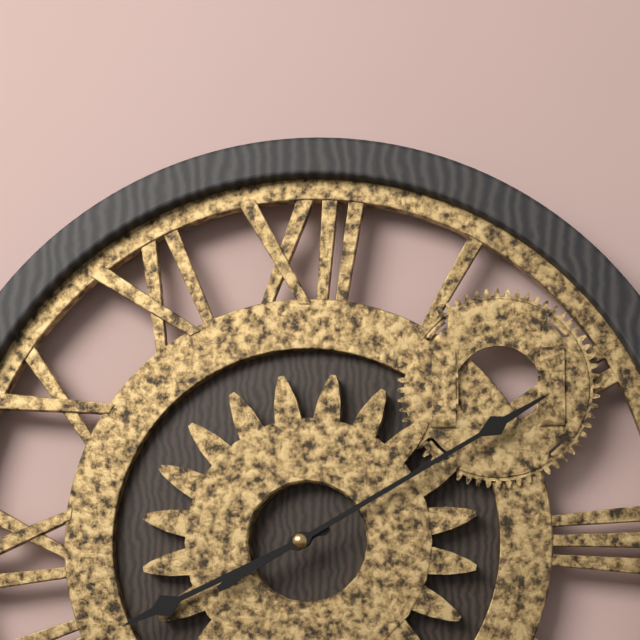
8 h 10 min
